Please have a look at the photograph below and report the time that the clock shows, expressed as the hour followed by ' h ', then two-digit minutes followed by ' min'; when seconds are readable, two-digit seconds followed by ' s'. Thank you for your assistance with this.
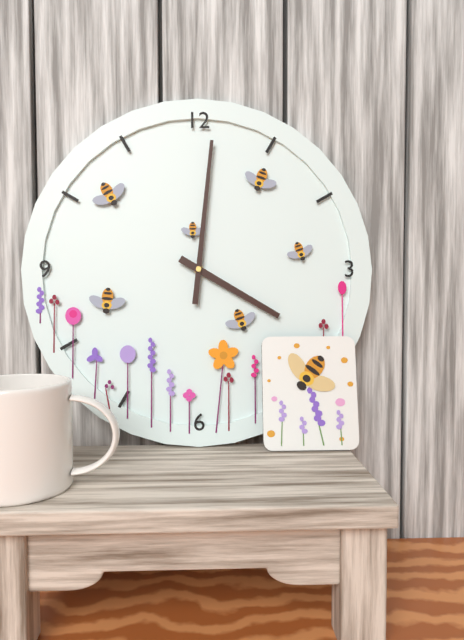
4 h 01 min
